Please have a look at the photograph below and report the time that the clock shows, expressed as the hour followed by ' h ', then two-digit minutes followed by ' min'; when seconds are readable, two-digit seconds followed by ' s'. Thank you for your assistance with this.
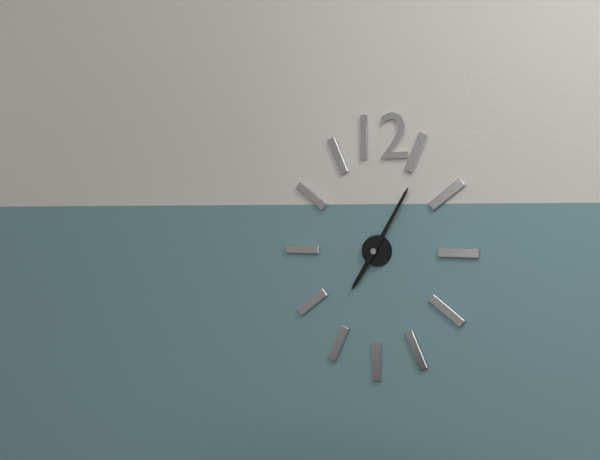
7 h 05 min
